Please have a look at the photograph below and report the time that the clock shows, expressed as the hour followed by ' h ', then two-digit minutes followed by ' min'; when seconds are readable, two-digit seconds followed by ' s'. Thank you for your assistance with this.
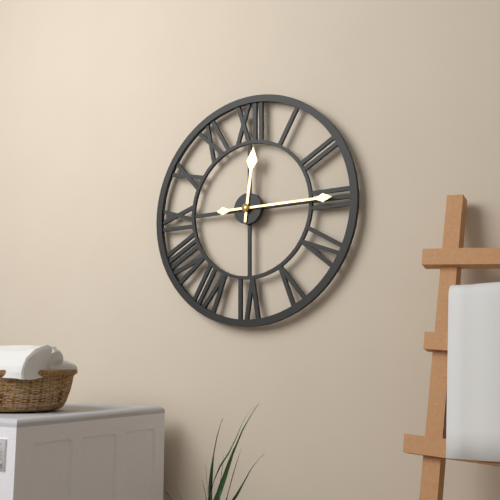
12 h 15 min
